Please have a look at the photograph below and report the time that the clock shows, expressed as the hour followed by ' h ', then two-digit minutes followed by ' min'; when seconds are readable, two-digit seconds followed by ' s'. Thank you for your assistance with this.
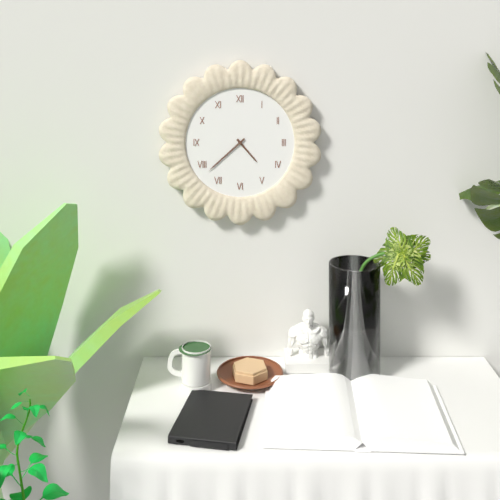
4 h 38 min
